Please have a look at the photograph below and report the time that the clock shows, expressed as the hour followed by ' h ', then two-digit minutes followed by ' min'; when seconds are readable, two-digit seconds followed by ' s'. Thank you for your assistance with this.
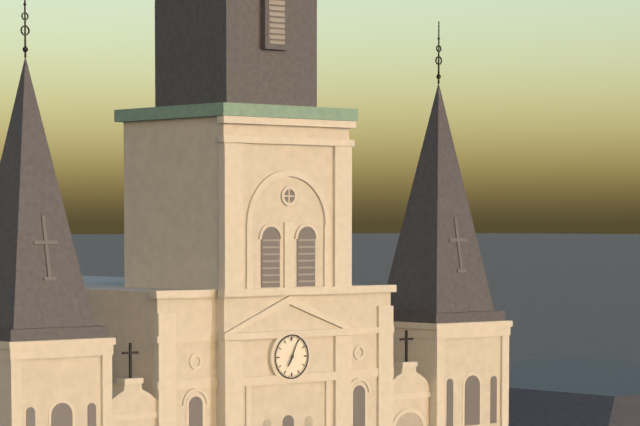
7 h 04 min
